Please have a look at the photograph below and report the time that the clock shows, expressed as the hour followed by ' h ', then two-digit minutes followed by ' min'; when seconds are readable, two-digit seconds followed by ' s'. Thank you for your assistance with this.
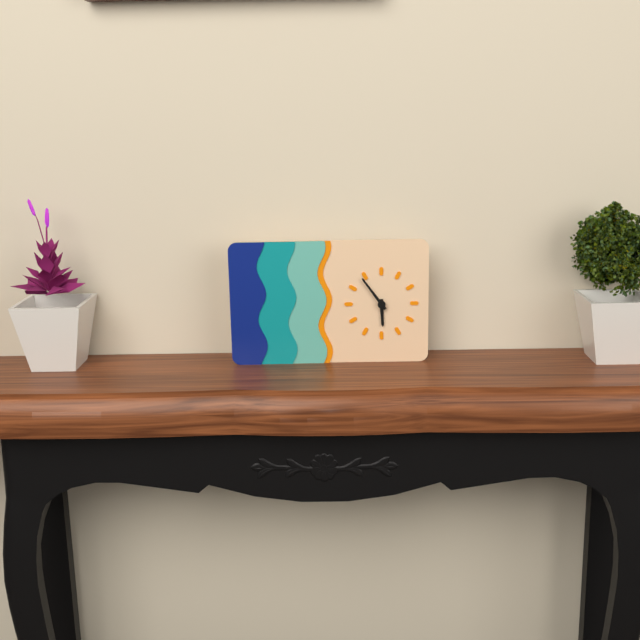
5 h 54 min
